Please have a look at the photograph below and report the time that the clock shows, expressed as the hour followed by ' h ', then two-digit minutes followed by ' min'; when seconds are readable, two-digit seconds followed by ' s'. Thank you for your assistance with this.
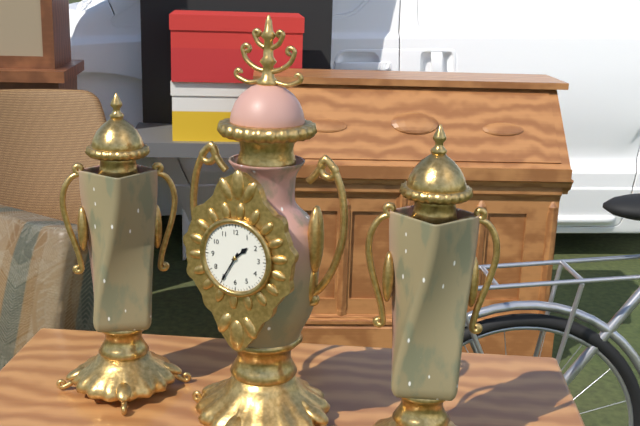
1 h 35 min
